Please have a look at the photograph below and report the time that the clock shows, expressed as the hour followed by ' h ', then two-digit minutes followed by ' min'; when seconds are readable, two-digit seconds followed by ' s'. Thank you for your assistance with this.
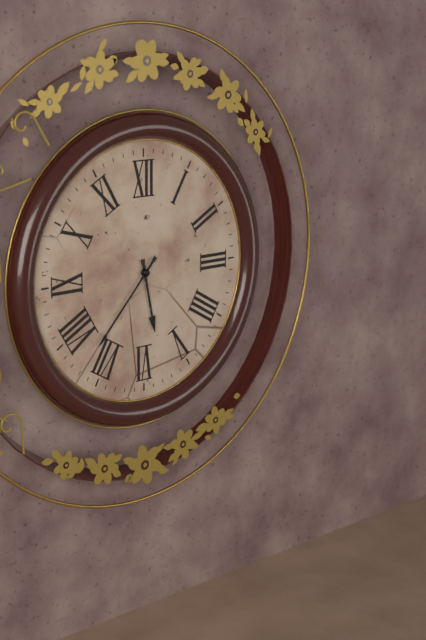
5 h 37 min
